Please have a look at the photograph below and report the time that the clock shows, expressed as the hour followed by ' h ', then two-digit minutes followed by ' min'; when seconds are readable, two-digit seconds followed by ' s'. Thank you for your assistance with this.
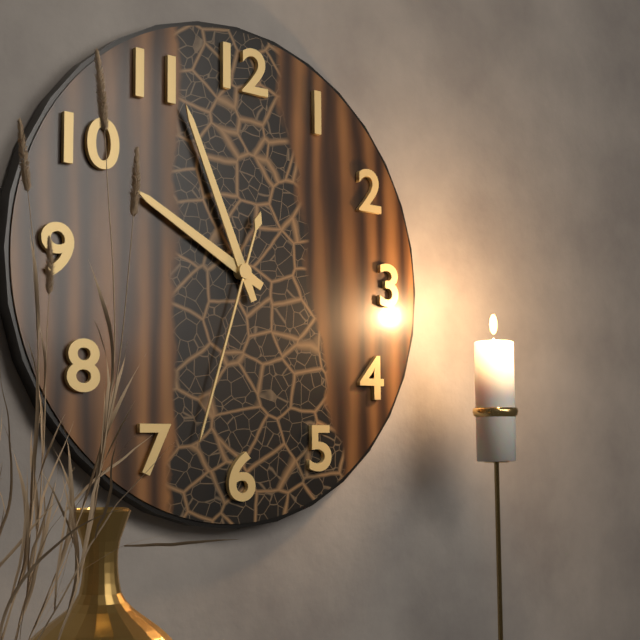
9 h 56 min 33 s
